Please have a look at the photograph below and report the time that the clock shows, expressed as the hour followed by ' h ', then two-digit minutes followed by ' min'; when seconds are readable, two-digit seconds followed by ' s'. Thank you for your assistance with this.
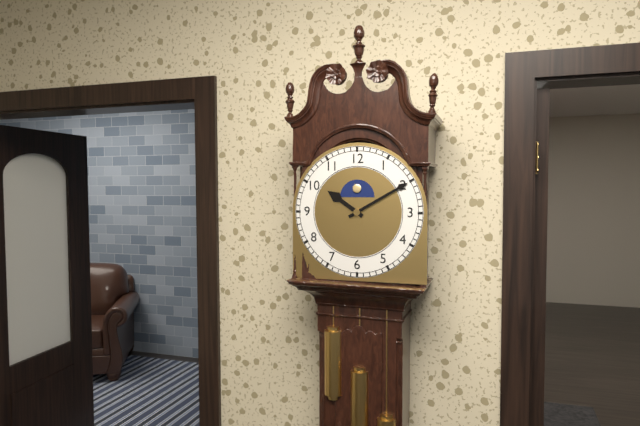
10 h 10 min
